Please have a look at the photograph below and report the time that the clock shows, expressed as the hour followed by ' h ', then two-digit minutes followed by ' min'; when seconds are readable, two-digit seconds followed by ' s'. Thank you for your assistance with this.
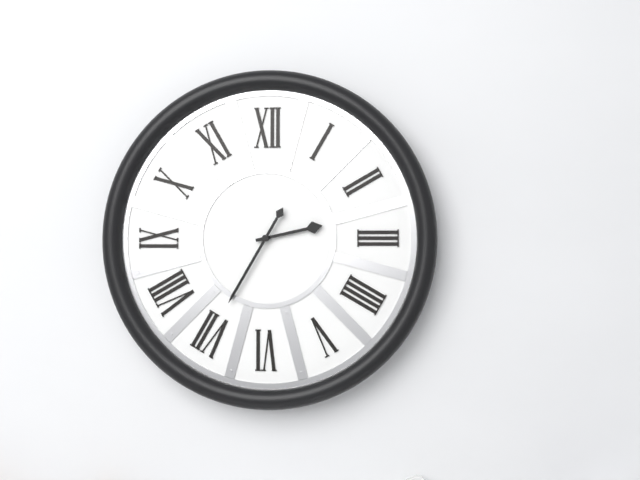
2 h 35 min
